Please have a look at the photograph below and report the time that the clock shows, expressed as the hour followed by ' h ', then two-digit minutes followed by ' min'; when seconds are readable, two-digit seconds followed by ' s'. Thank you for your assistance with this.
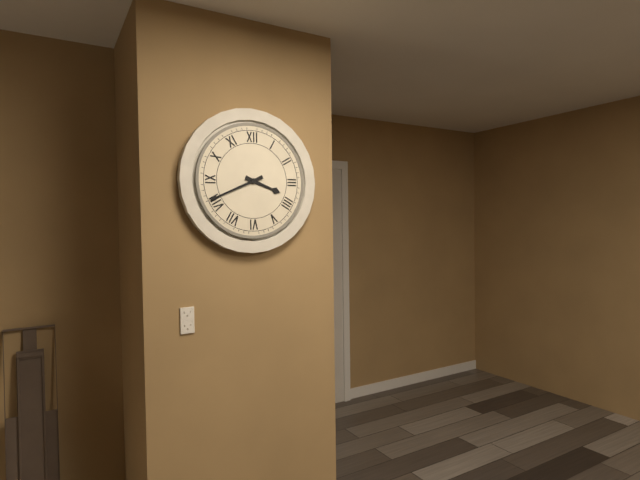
3 h 41 min
